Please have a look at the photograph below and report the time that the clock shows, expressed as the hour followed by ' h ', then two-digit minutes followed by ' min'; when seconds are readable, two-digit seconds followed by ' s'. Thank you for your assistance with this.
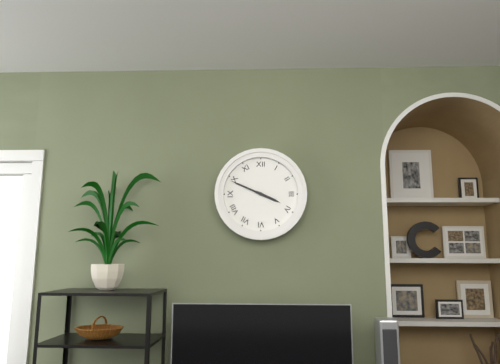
3 h 49 min
